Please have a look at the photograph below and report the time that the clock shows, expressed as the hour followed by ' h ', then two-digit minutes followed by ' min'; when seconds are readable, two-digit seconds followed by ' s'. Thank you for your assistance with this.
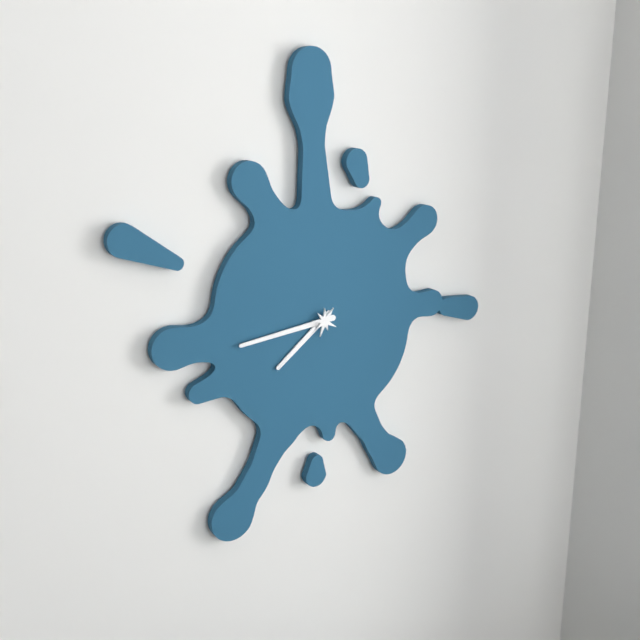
7 h 44 min
